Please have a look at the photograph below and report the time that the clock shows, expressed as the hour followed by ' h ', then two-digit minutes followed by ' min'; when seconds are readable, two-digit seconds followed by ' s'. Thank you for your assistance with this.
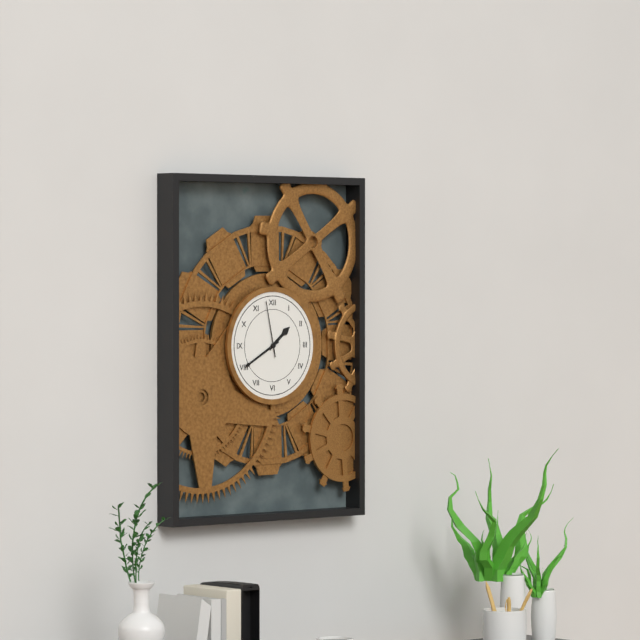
1 h 40 min 58 s
